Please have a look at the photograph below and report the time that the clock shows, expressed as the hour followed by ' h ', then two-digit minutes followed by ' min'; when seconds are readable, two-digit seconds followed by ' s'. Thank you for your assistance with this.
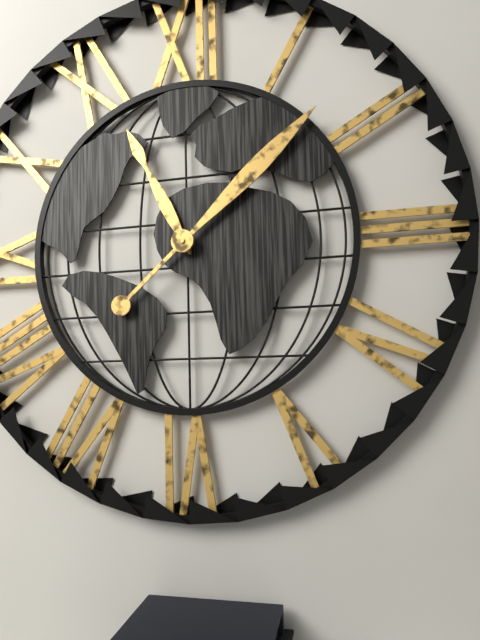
11 h 08 min
